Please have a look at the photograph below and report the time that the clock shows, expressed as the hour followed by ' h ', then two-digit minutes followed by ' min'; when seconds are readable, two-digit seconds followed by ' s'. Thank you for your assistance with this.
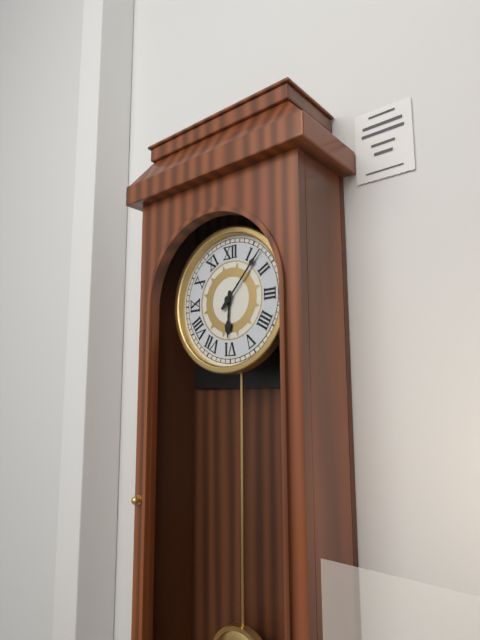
6 h 07 min
